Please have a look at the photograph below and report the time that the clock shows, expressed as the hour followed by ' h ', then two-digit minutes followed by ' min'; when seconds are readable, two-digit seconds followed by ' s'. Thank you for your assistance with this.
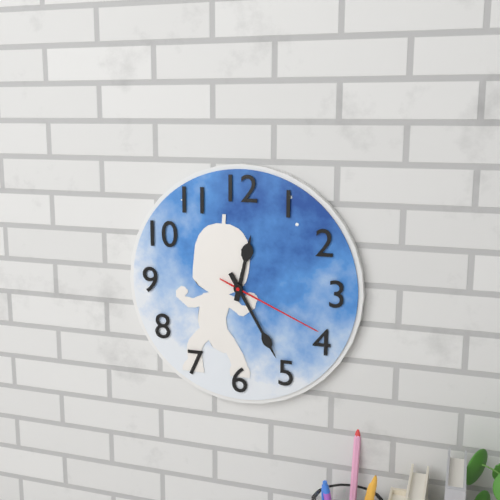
12 h 25 min 19 s
